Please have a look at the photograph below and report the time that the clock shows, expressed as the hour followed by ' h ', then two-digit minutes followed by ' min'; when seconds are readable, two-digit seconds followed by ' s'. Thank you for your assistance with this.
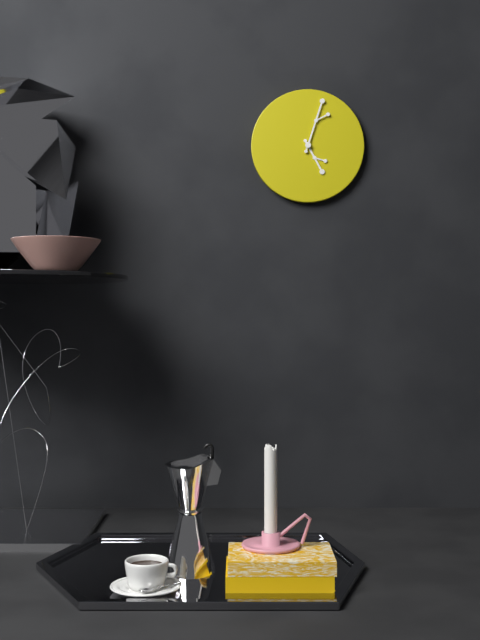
5 h 03 min
